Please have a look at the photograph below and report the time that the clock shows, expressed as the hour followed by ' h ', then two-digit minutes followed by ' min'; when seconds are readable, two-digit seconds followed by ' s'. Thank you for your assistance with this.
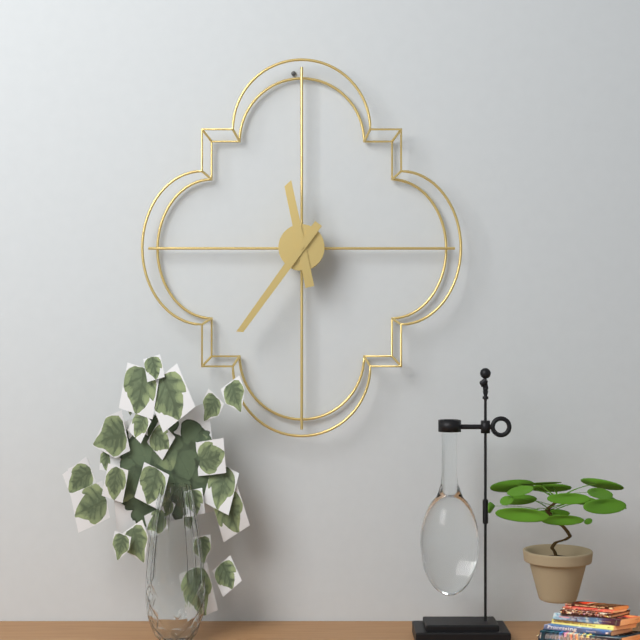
11 h 36 min
